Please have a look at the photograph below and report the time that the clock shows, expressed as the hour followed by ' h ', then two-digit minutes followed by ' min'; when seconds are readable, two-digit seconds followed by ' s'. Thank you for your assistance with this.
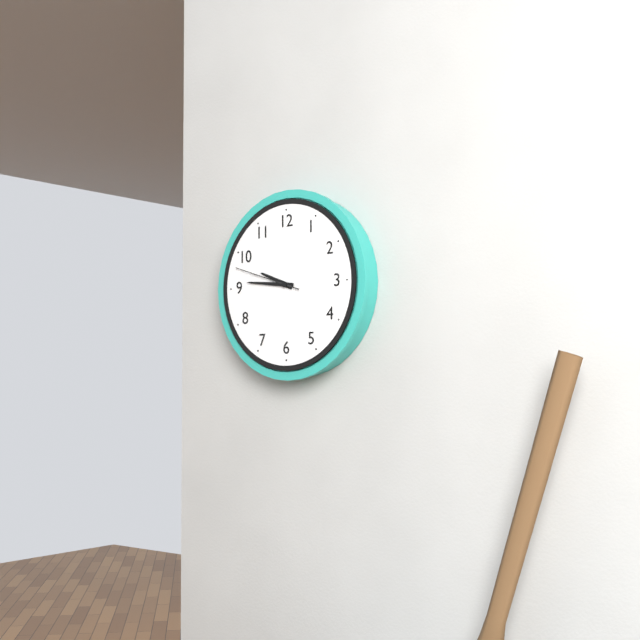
9 h 46 min 48 s
